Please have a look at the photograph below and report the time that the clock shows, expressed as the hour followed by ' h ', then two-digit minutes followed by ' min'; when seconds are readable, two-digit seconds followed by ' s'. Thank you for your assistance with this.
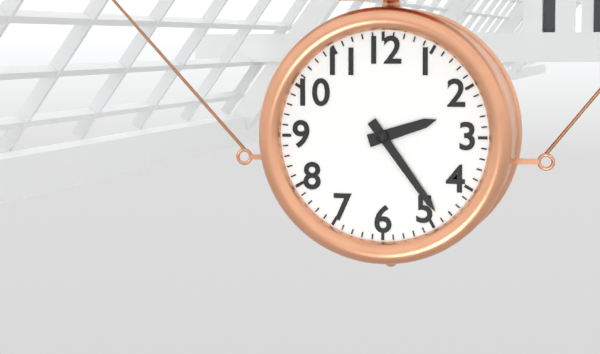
2 h 24 min
